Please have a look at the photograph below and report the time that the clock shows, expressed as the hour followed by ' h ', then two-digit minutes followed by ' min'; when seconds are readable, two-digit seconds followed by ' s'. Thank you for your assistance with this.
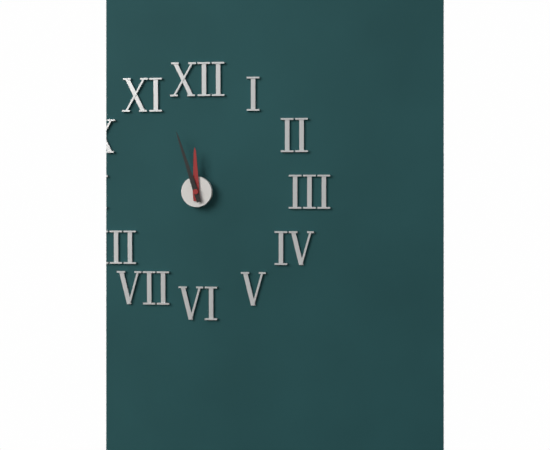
11 h 57 min
